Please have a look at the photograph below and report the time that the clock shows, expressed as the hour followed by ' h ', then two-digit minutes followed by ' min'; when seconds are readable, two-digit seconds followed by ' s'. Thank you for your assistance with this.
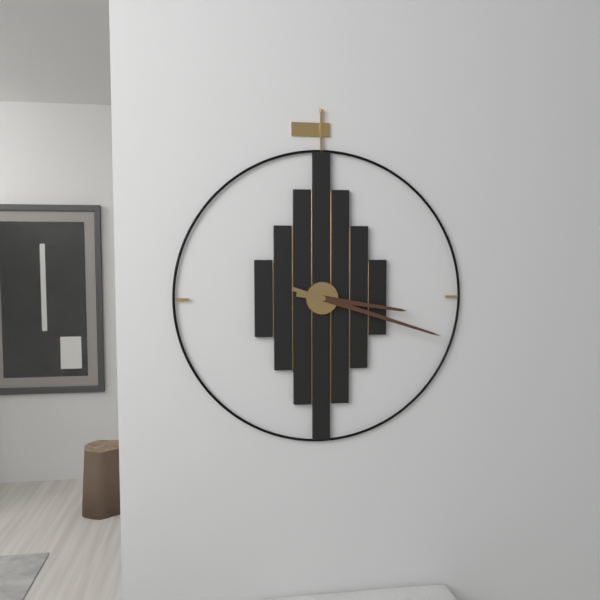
3 h 18 min
